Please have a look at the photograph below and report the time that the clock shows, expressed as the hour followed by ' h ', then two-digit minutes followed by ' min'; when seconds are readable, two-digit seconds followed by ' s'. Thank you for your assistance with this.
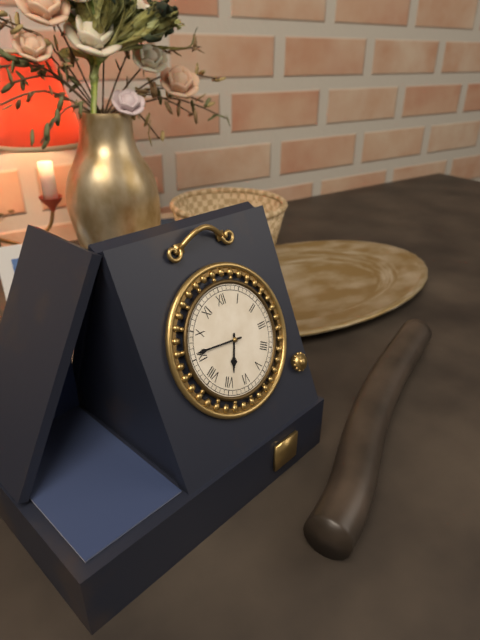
6 h 46 min
